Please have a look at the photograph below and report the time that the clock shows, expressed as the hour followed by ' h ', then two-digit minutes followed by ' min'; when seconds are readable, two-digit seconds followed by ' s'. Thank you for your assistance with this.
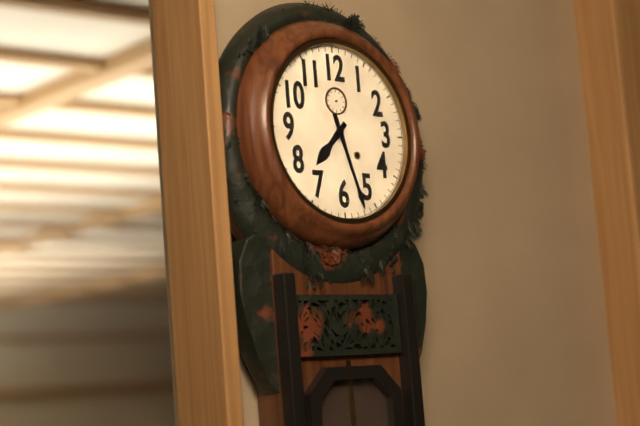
7 h 27 min
